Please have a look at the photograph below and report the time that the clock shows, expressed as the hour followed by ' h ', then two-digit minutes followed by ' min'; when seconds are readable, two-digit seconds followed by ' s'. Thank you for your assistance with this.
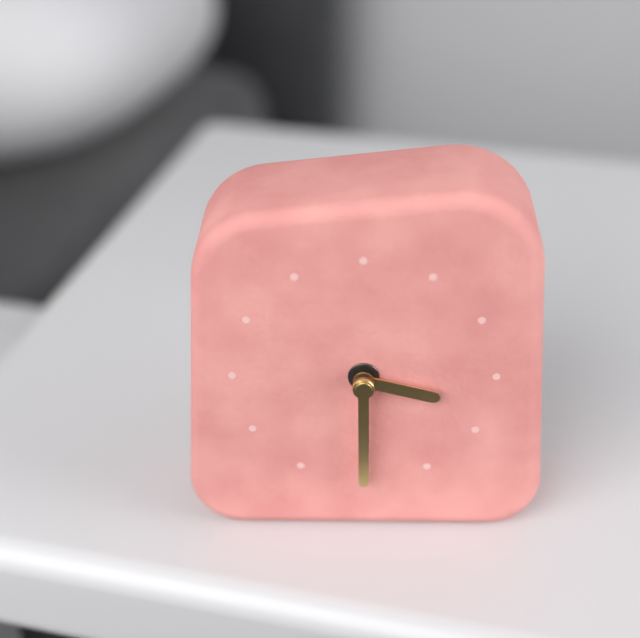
3 h 30 min
